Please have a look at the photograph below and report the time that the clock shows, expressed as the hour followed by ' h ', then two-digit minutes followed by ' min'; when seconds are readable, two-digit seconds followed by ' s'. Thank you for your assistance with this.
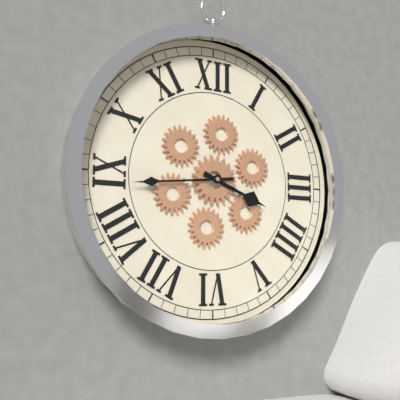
3 h 44 min
